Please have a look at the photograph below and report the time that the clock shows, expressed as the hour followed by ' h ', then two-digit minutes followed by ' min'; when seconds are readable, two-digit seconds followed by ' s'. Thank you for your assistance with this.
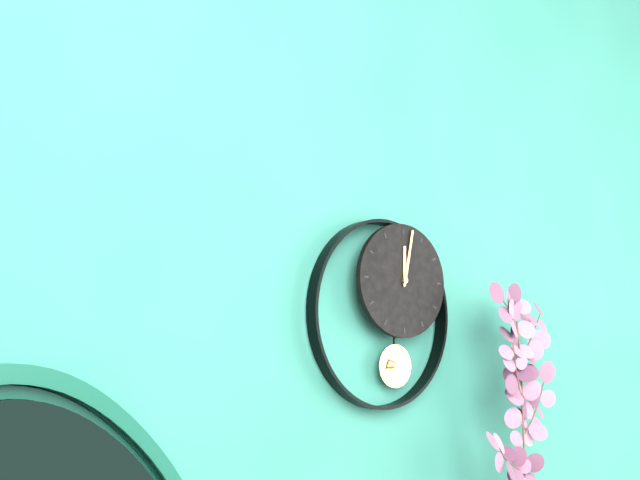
12 h 02 min
